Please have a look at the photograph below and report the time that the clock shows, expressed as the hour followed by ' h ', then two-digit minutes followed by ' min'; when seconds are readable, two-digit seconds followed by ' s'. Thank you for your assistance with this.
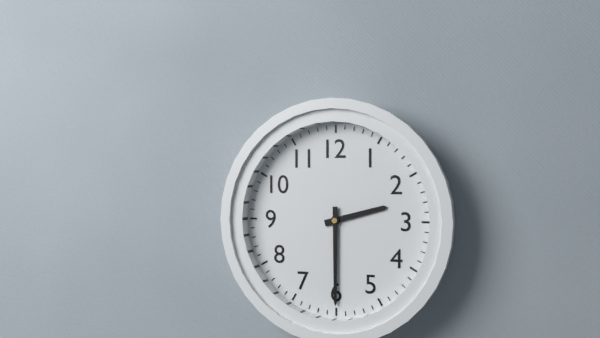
2 h 30 min
